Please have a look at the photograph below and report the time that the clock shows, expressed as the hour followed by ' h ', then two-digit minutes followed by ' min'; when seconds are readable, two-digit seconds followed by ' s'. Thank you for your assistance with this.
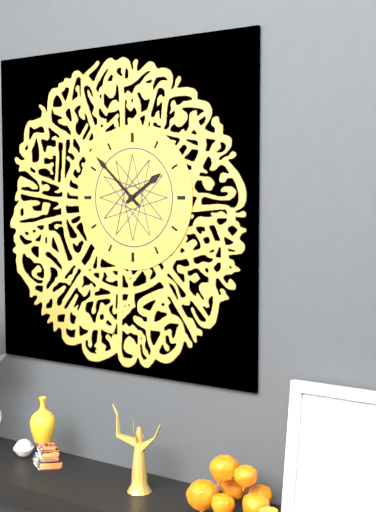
1 h 52 min
